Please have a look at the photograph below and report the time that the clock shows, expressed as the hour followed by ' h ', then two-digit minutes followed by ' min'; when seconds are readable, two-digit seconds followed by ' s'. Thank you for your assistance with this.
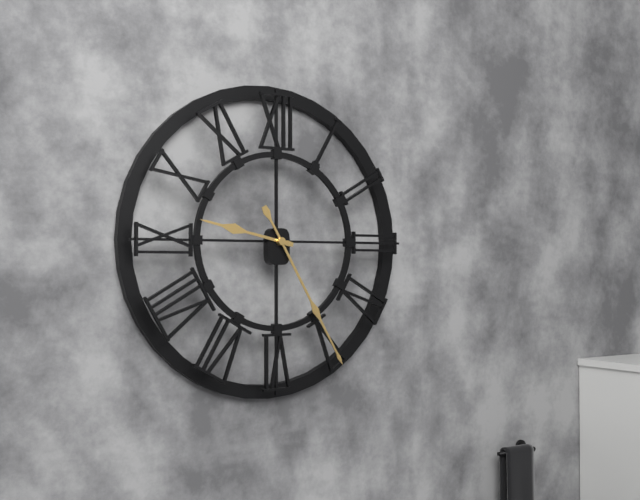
9 h 25 min
